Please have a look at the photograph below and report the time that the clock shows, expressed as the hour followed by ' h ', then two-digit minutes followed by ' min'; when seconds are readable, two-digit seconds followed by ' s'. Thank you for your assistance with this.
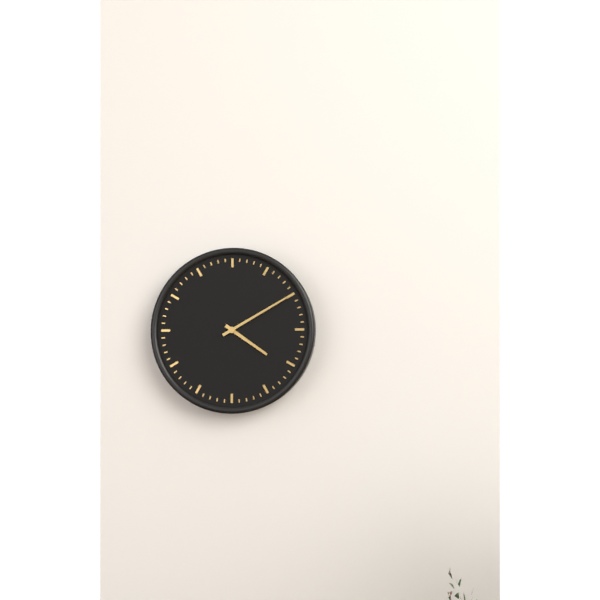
4 h 10 min
